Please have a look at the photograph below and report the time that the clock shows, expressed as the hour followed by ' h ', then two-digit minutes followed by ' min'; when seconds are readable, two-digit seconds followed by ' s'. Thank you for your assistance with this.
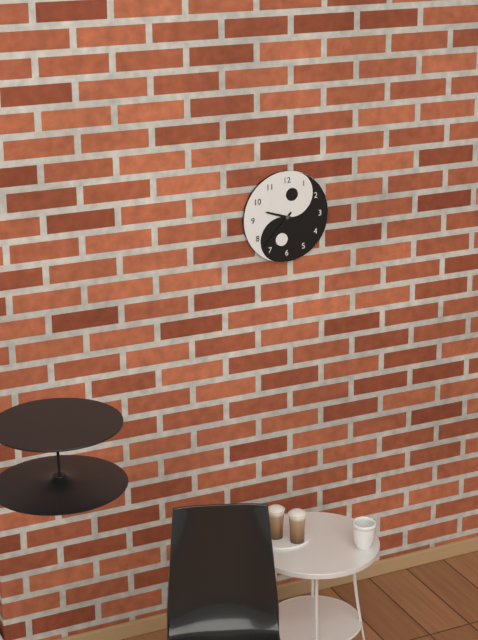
9 h 37 min
